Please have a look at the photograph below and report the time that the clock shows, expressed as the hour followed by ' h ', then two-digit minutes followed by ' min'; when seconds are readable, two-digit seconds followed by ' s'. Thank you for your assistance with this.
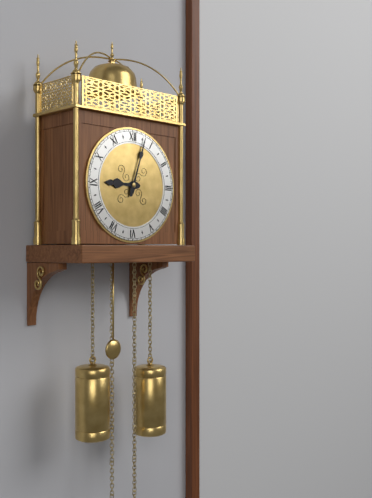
9 h 03 min
